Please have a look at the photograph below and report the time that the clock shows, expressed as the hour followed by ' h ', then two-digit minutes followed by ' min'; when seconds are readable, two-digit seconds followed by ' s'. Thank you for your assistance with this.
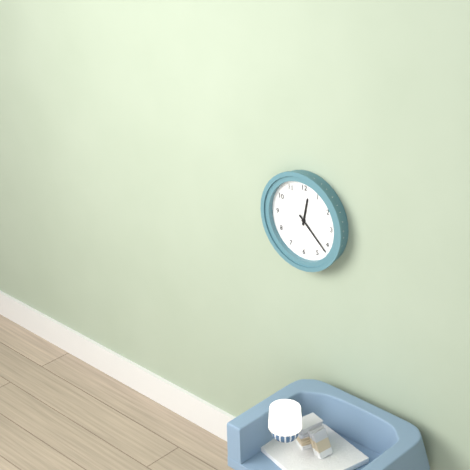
12 h 22 min
